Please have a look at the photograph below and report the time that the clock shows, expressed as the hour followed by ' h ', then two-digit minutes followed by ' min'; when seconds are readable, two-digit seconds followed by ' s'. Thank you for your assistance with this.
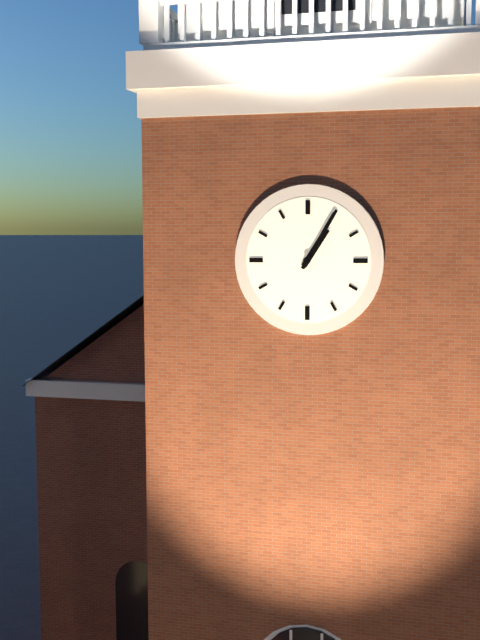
1 h 05 min
